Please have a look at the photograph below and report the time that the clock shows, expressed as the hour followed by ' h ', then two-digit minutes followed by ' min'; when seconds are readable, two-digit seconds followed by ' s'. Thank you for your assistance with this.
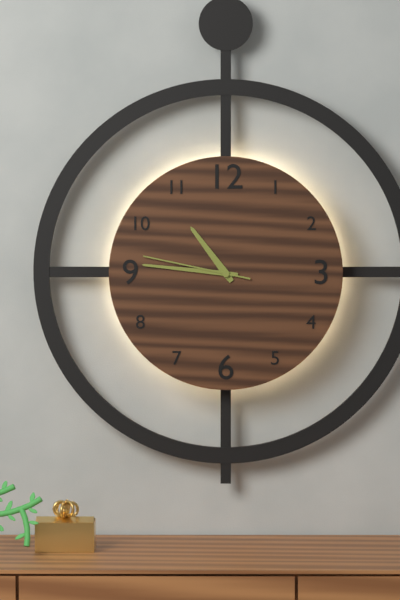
10 h 46 min 47 s
